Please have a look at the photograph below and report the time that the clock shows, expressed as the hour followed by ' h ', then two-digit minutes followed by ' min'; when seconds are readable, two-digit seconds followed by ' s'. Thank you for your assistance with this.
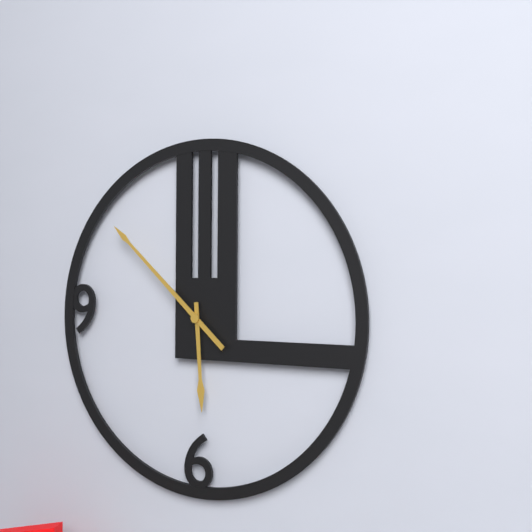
5 h 52 min
